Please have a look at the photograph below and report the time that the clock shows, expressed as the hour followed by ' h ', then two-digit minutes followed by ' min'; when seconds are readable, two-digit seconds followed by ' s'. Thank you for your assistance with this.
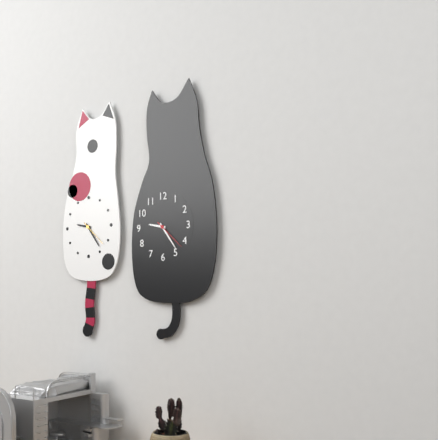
9 h 24 min
